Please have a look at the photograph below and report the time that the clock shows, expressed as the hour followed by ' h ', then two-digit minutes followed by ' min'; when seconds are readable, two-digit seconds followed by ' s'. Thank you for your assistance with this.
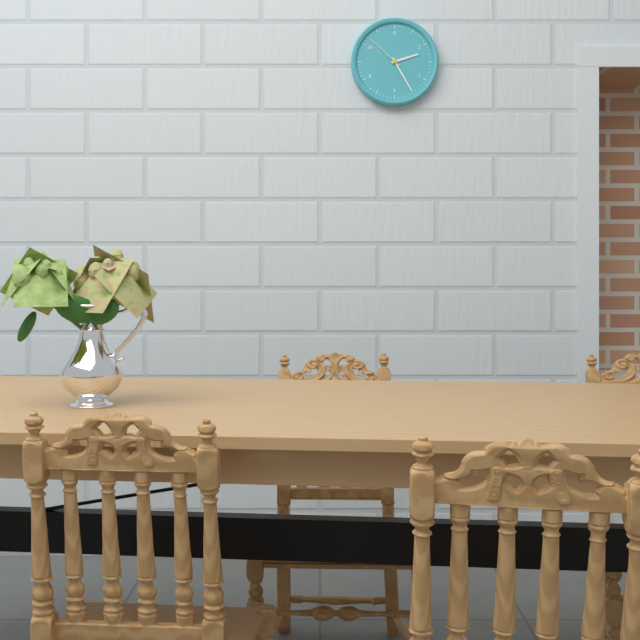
2 h 25 min
